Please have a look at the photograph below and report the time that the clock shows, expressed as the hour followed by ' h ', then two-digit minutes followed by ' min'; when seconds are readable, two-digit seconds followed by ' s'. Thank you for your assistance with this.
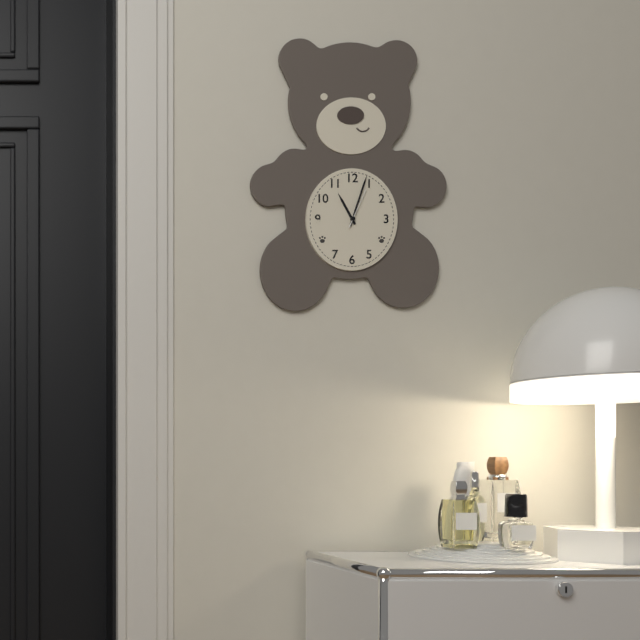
11 h 03 min
